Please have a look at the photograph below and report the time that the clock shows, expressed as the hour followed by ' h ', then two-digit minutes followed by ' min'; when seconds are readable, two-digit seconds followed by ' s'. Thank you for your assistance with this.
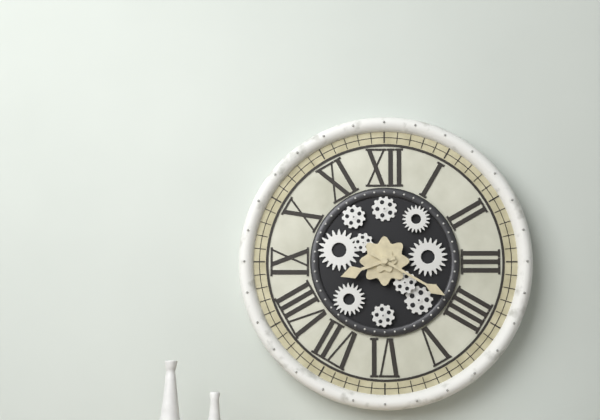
8 h 20 min
